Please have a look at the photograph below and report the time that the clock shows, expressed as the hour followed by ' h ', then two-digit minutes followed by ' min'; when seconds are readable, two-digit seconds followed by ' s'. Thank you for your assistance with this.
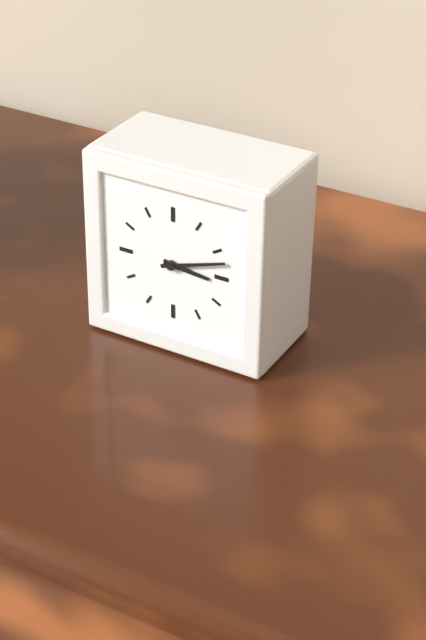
3 h 12 min
